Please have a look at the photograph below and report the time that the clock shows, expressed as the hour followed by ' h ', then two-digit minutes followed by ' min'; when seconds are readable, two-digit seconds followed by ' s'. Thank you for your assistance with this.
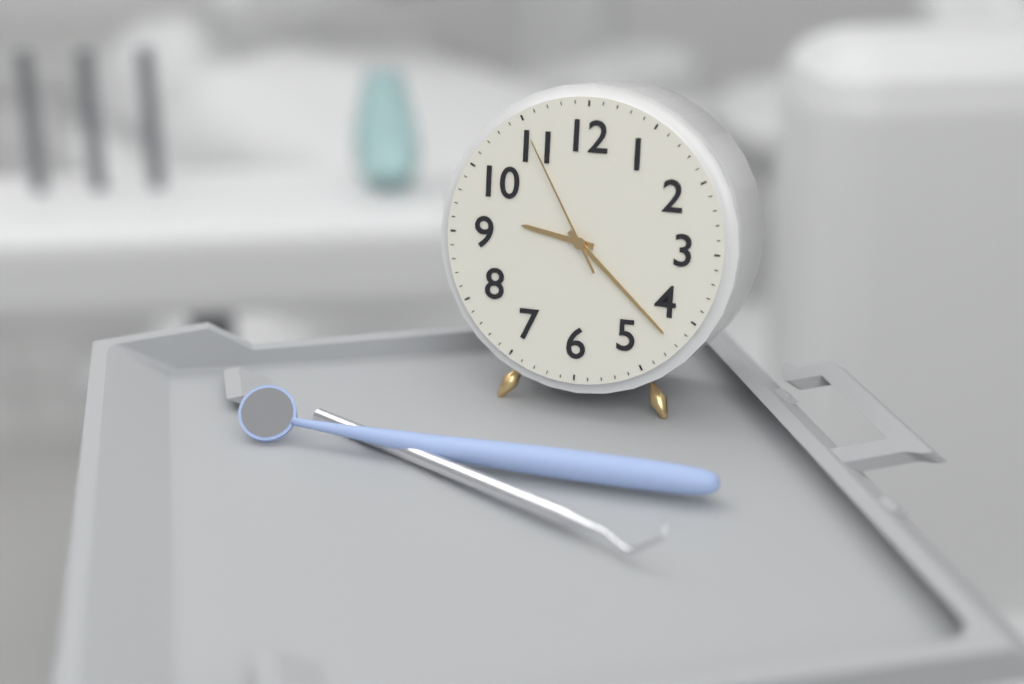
9 h 22 min 55 s
